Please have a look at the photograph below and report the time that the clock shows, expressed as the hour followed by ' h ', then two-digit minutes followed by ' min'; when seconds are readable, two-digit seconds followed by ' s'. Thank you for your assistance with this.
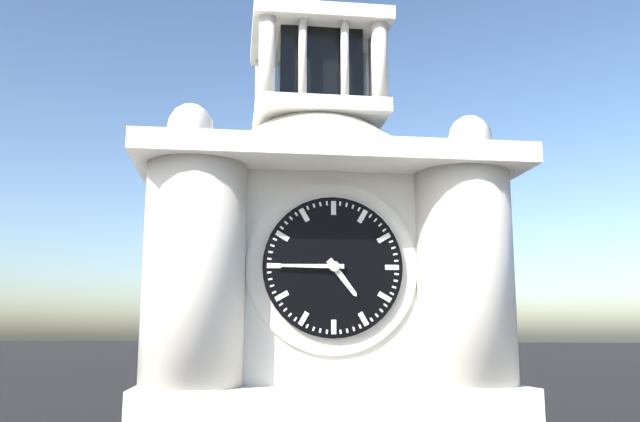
4 h 45 min
